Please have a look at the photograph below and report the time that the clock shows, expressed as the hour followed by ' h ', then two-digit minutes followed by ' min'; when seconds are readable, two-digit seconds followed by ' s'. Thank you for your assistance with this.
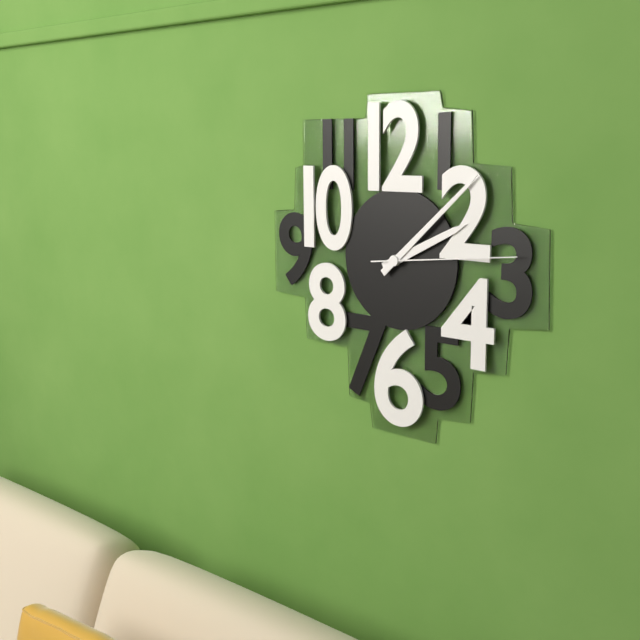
2 h 08 min 14 s
